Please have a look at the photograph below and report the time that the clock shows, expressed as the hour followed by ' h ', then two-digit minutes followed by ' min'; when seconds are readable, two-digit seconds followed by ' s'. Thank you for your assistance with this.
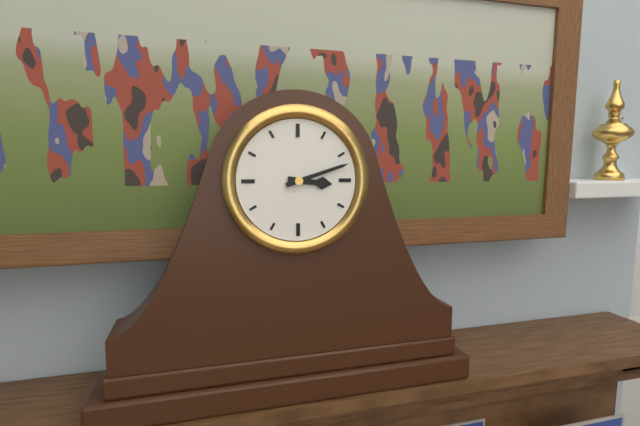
3 h 12 min
